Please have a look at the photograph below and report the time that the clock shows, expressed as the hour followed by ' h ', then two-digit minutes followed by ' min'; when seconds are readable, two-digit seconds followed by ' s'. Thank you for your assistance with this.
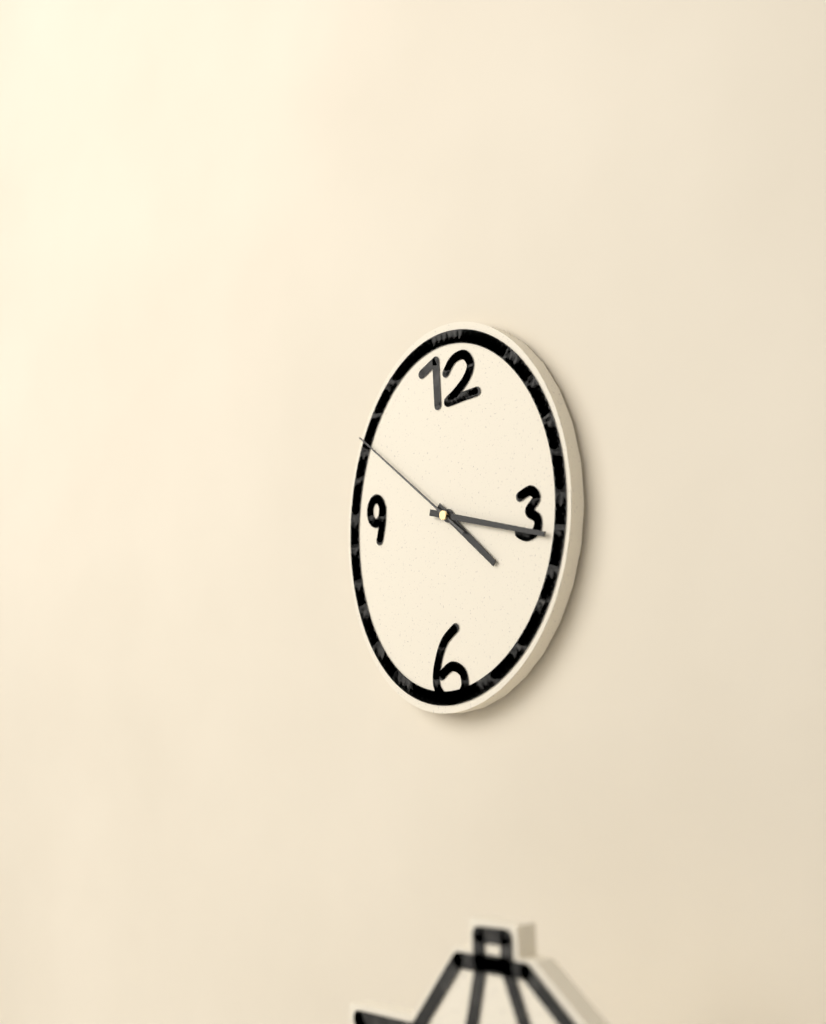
4 h 17 min 51 s
